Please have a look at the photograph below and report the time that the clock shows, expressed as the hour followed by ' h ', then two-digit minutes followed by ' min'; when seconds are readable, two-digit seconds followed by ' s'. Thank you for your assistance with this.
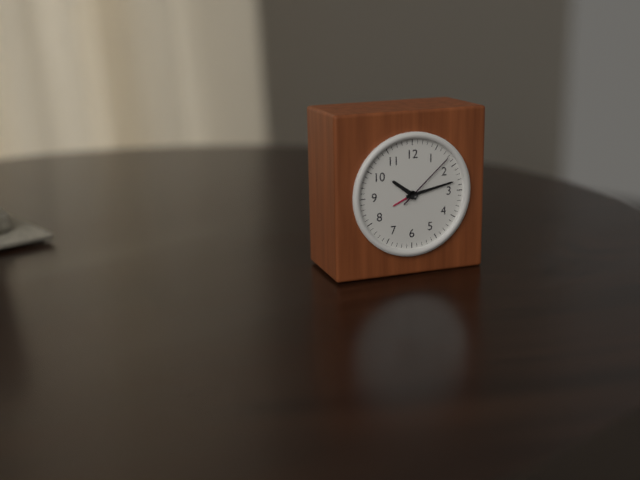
10 h 13 min 08 s
